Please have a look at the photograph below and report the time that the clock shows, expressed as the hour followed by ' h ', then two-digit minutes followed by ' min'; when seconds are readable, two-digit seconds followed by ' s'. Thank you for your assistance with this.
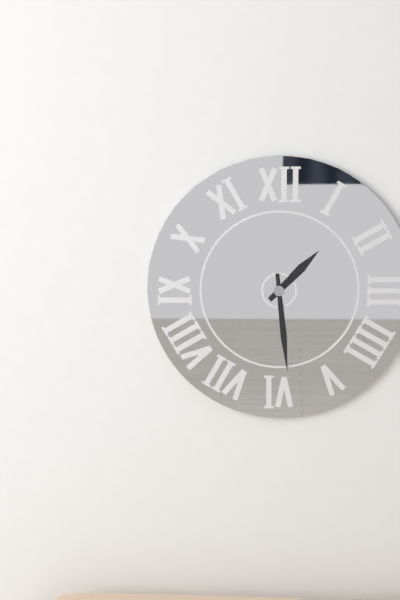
1 h 29 min
